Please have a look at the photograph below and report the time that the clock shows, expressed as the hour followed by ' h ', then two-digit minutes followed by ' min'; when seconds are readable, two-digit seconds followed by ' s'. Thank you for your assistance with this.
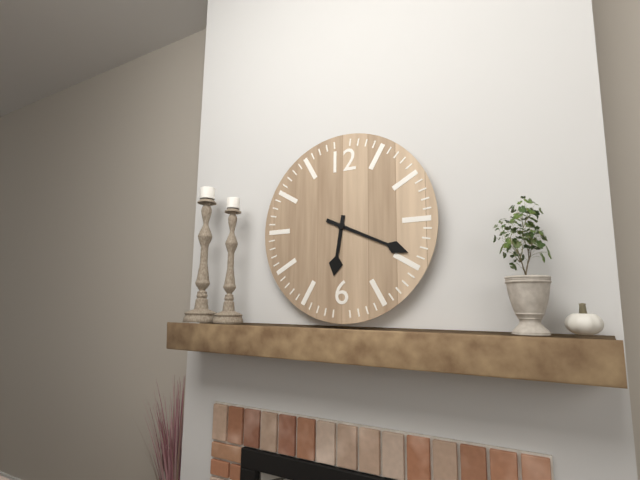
6 h 19 min
